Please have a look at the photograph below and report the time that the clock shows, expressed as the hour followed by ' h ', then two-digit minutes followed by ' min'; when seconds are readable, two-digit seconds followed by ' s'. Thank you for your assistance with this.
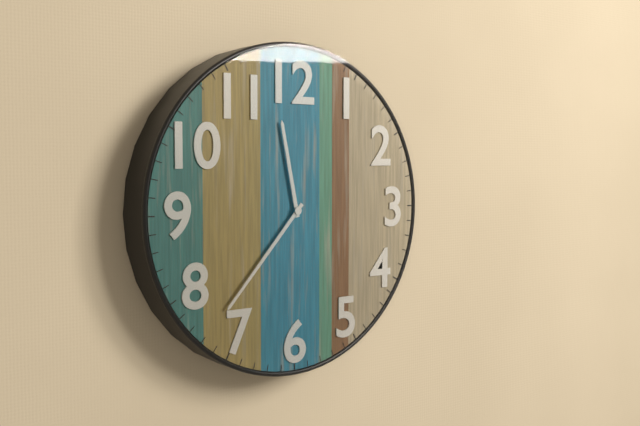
11 h 37 min
